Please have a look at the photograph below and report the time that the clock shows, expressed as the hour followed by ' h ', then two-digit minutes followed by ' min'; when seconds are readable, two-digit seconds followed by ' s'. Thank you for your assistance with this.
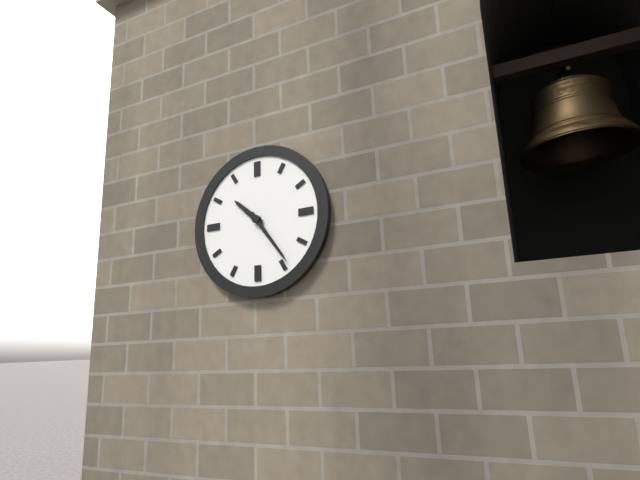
10 h 24 min
